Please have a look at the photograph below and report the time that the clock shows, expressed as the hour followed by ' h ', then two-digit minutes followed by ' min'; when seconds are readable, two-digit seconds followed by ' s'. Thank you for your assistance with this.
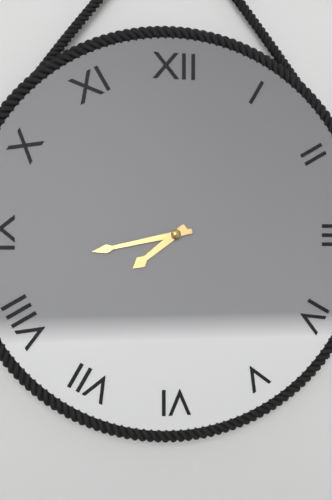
7 h 43 min
